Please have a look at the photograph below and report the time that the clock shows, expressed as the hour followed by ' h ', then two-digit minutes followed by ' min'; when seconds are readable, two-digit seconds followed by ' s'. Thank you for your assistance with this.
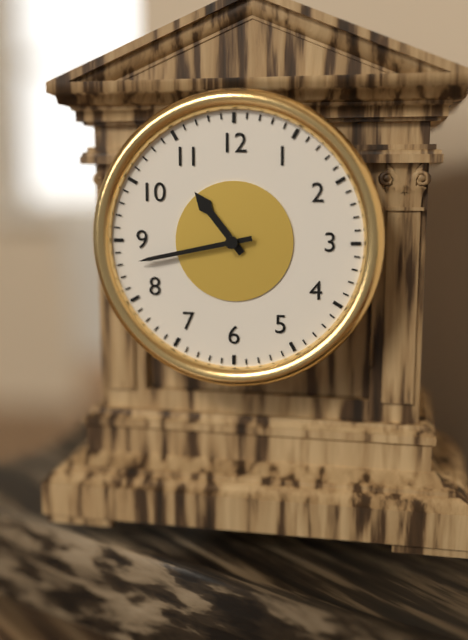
10 h 43 min
